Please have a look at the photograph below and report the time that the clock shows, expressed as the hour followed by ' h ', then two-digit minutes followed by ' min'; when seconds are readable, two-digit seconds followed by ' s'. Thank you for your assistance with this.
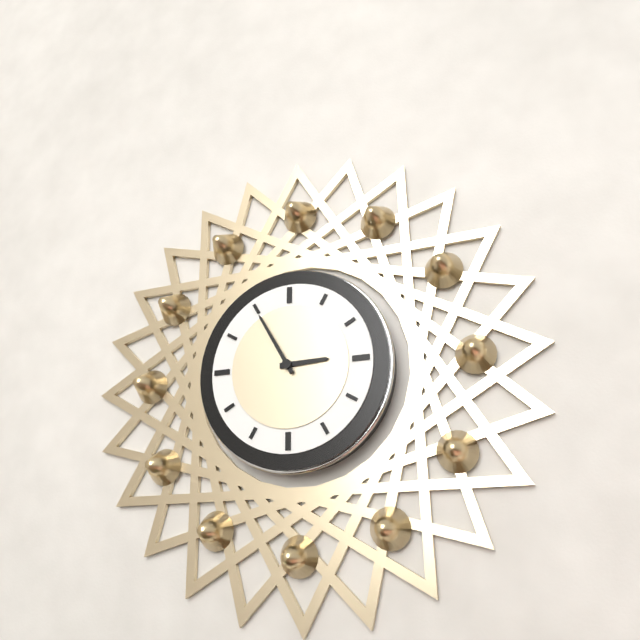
2 h 55 min
